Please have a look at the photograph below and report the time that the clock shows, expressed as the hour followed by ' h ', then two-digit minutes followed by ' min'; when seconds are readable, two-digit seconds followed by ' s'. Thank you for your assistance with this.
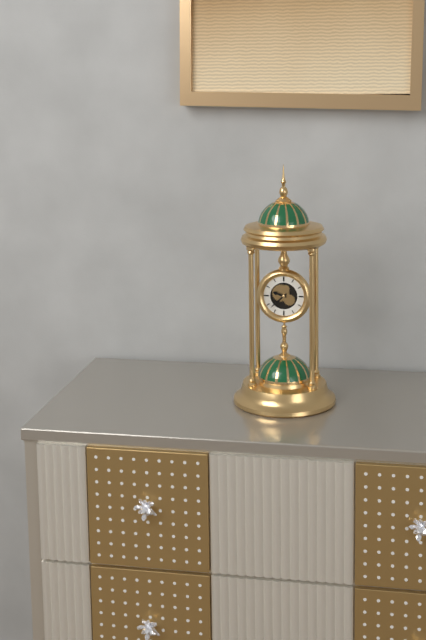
9 h 38 min
